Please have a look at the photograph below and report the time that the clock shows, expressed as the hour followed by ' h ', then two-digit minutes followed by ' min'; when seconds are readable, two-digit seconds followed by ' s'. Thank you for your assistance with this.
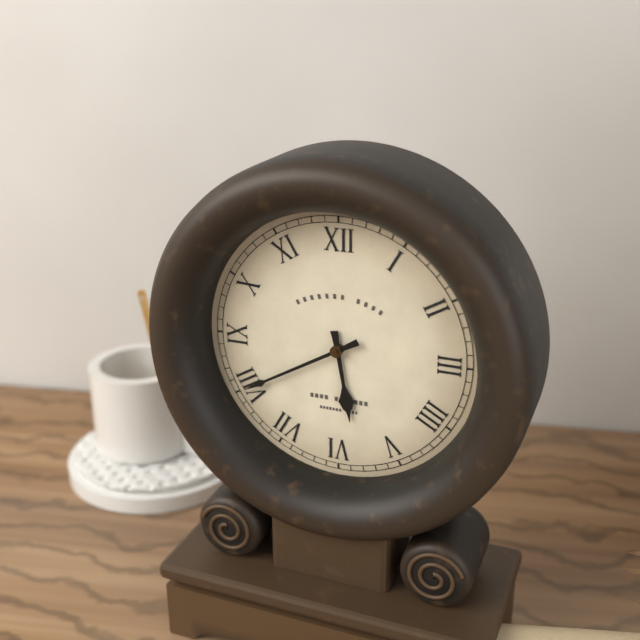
5 h 40 min
